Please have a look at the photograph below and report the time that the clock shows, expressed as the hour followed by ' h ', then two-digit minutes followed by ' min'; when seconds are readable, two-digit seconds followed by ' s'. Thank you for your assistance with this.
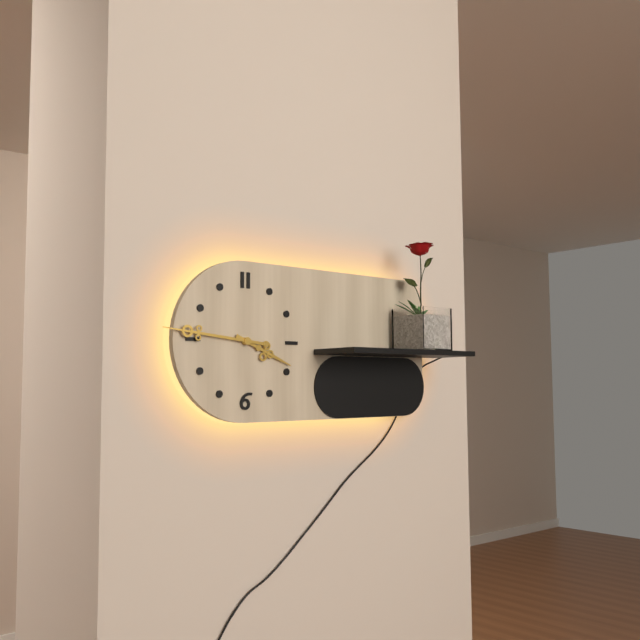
3 h 46 min
